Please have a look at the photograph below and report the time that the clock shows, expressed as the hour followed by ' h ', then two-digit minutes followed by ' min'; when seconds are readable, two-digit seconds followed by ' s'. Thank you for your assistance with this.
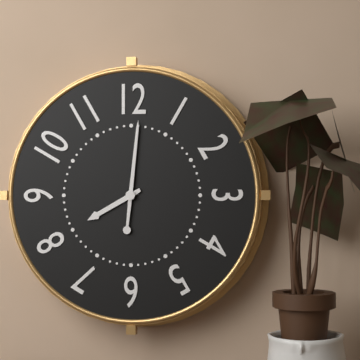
8 h 01 min
